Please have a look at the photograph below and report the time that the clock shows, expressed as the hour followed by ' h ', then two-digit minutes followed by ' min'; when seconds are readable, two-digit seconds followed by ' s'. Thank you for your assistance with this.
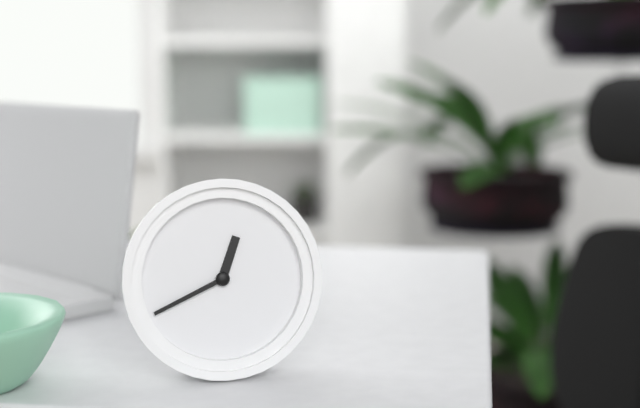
12 h 41 min
